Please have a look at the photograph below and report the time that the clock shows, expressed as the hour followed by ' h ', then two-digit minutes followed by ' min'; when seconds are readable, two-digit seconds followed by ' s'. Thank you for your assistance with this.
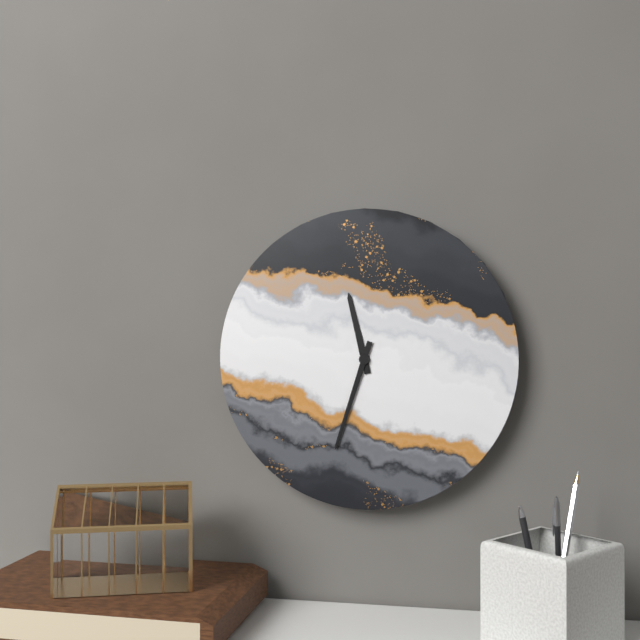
11 h 33 min
